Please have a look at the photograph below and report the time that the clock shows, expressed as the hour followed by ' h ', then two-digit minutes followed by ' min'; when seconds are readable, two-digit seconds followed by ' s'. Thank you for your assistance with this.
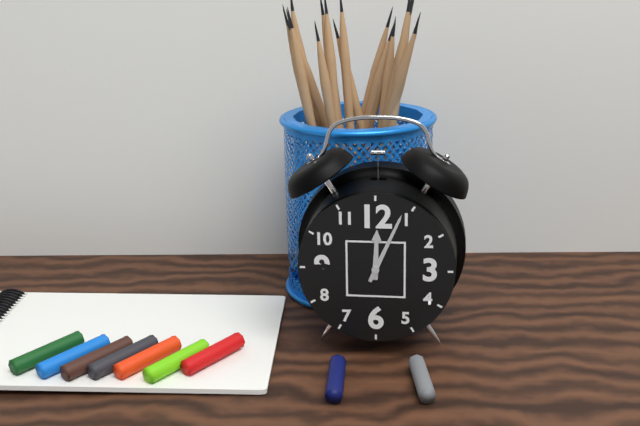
12 h 04 min
